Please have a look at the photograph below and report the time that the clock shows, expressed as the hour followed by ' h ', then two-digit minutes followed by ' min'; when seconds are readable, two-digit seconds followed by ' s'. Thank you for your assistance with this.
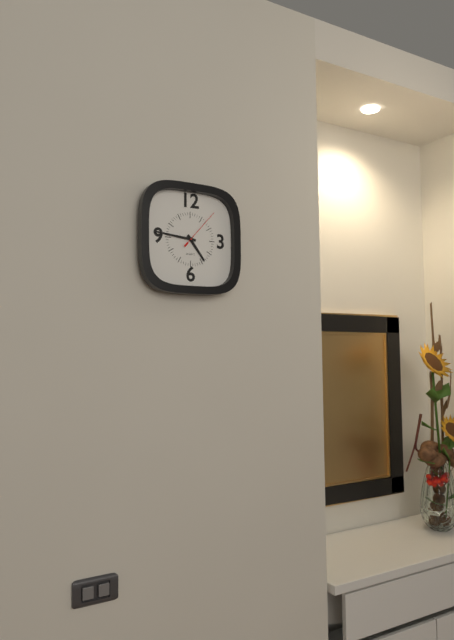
4 h 46 min
